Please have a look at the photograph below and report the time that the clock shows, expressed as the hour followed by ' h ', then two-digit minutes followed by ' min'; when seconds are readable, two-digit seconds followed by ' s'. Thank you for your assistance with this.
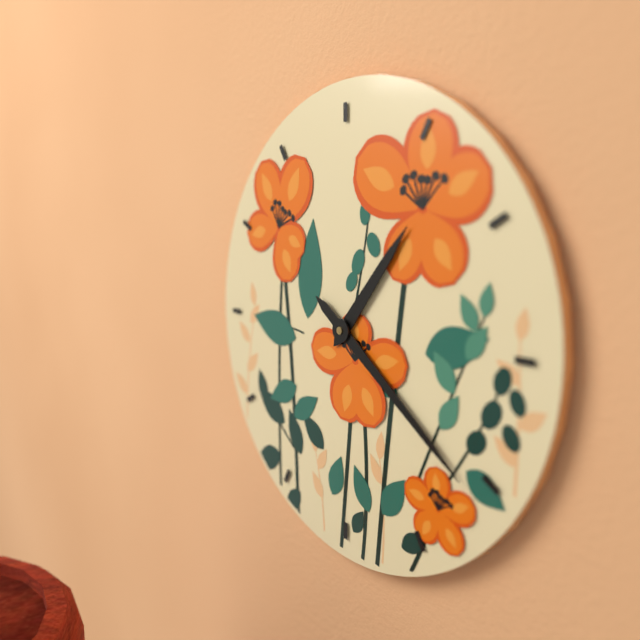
1 h 21 min
